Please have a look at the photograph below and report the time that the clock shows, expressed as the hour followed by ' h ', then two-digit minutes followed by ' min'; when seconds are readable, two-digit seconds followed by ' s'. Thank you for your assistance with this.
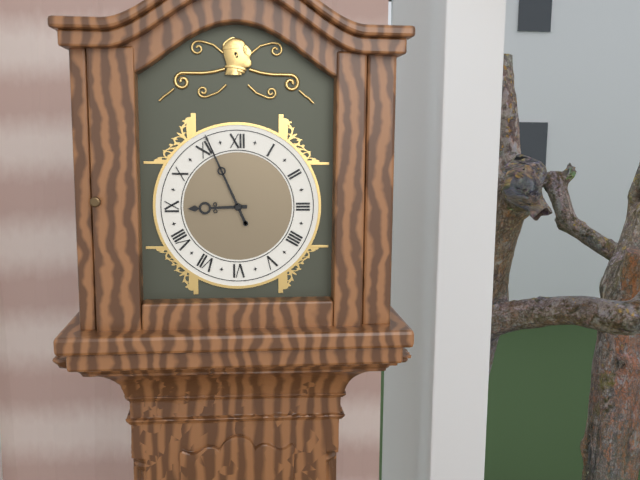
8 h 56 min
